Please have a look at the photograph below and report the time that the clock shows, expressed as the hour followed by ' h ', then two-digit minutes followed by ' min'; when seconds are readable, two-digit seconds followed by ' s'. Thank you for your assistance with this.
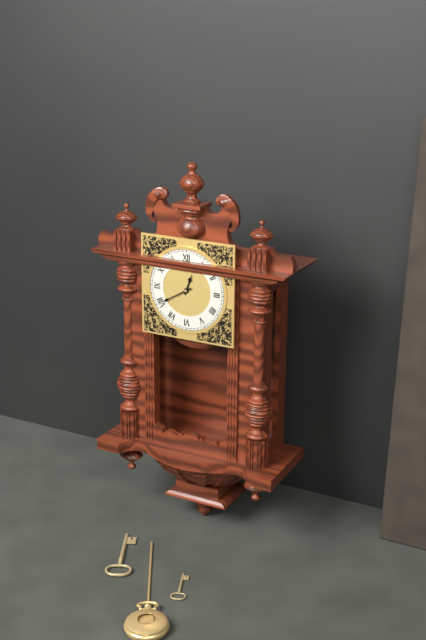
12 h 40 min
